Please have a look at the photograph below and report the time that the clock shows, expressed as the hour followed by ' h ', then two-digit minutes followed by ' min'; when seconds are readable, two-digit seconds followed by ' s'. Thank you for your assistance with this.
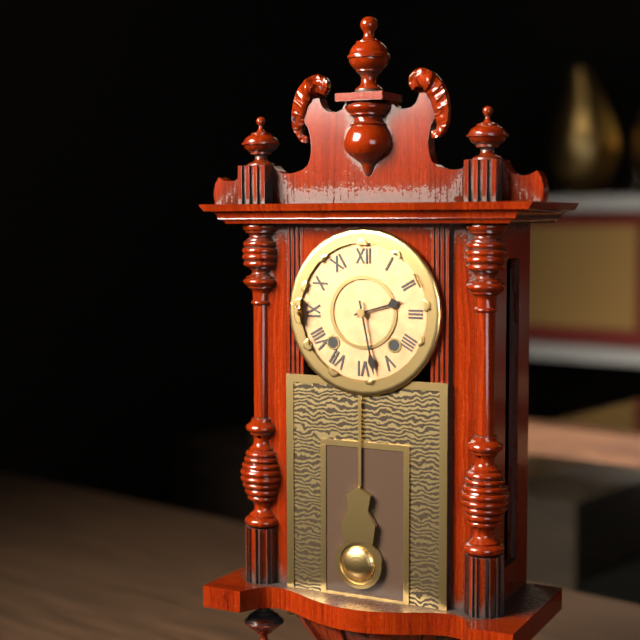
2 h 28 min
